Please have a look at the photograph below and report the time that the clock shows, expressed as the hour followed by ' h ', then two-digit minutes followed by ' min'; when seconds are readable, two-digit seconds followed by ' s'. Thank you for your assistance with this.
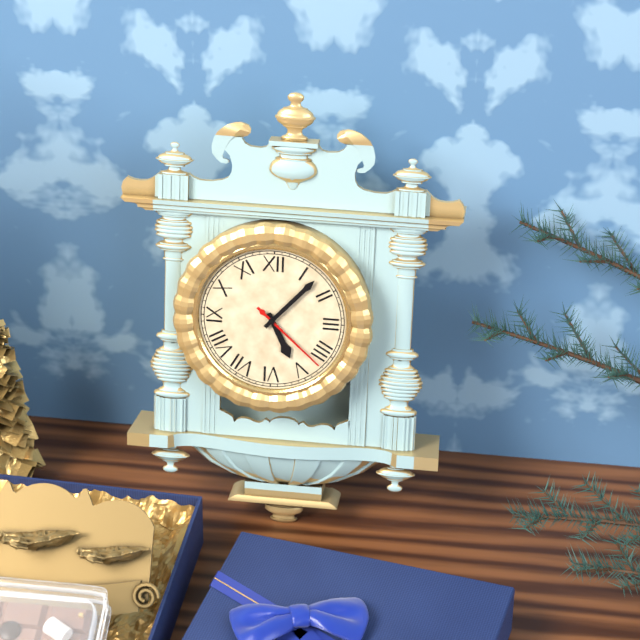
5 h 07 min 22 s
